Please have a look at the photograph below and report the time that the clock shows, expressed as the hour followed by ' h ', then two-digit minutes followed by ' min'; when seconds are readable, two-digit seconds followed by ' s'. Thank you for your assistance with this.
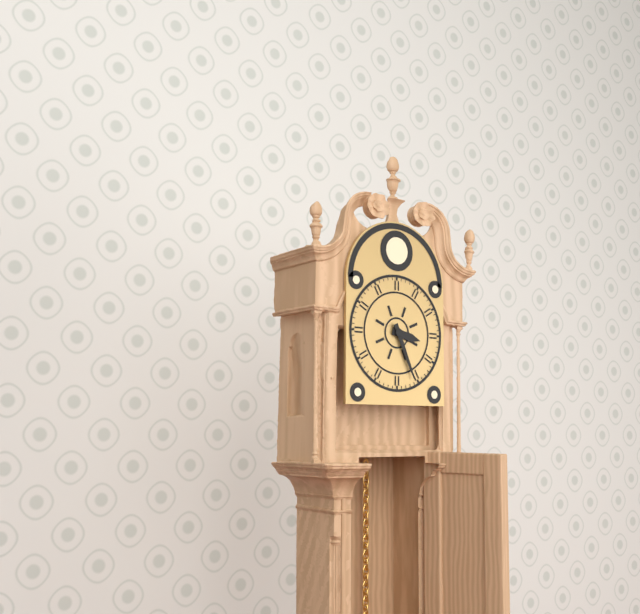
3 h 26 min
